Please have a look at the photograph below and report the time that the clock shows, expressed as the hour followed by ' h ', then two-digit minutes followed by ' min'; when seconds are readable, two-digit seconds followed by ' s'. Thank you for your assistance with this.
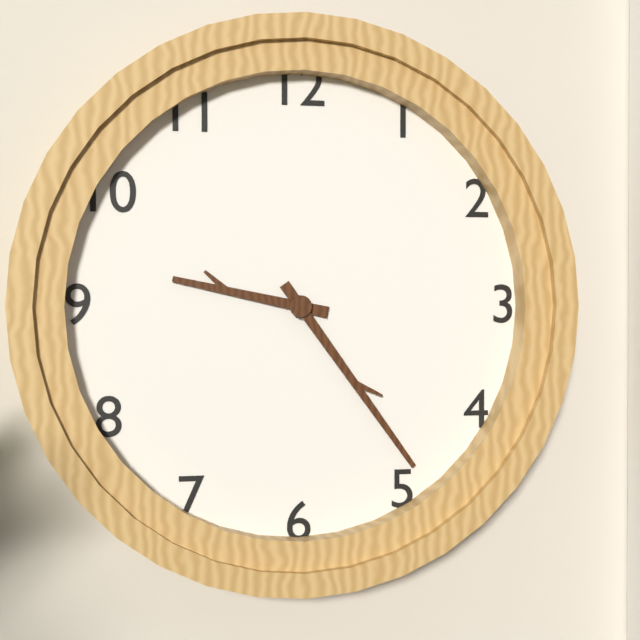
9 h 24 min
